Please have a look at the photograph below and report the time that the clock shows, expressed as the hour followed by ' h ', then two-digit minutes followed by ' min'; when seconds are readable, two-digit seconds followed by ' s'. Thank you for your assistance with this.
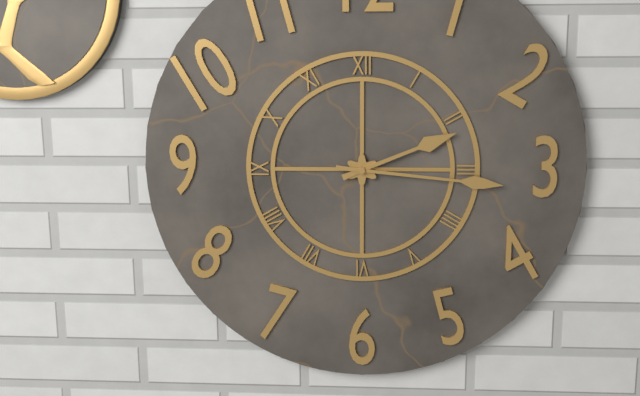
2 h 16 min
